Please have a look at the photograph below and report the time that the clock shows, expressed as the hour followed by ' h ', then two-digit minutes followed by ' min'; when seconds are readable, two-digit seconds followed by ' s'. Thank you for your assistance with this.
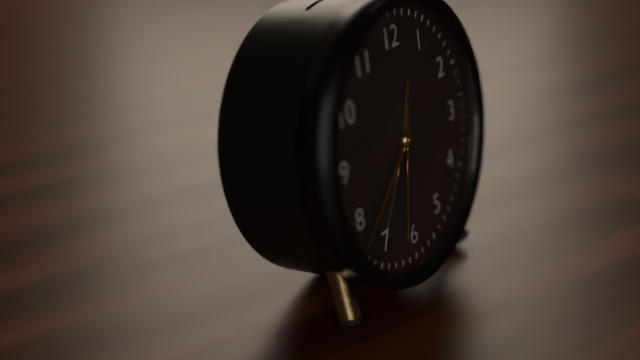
12 h 38 min 32 s
